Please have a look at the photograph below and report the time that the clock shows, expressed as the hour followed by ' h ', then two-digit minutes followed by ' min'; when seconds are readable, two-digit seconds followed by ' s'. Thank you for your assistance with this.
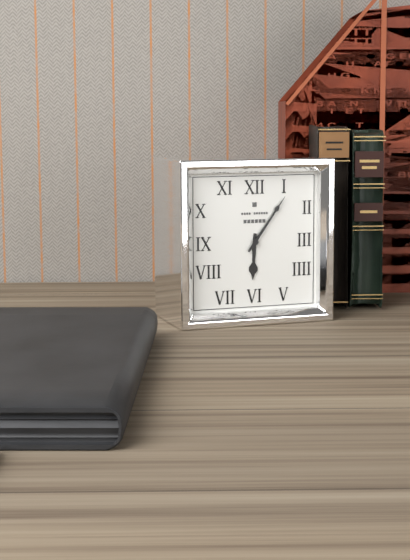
6 h 06 min
